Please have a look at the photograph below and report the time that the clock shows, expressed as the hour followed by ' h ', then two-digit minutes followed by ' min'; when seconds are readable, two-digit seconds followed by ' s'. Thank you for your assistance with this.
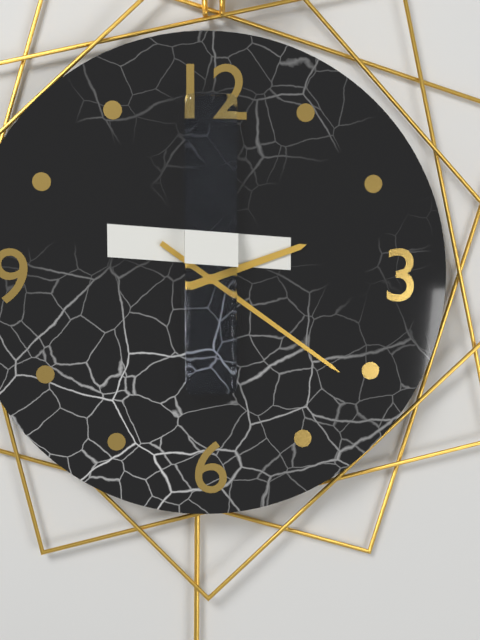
2 h 21 min
